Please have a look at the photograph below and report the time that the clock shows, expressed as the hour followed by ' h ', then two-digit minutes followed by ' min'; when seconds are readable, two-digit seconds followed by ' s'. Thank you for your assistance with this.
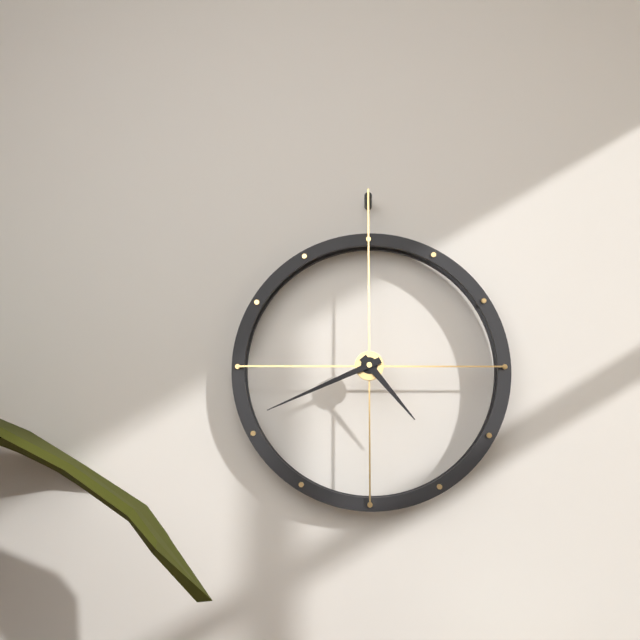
4 h 41 min
